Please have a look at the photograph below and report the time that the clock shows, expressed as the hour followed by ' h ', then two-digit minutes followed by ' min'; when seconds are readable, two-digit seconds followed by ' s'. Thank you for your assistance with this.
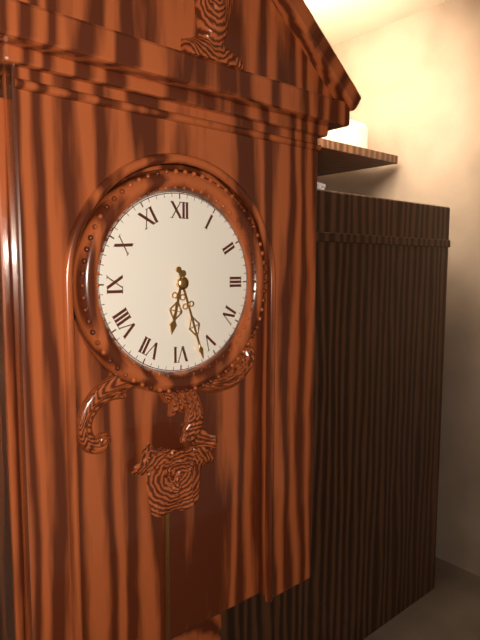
6 h 27 min
